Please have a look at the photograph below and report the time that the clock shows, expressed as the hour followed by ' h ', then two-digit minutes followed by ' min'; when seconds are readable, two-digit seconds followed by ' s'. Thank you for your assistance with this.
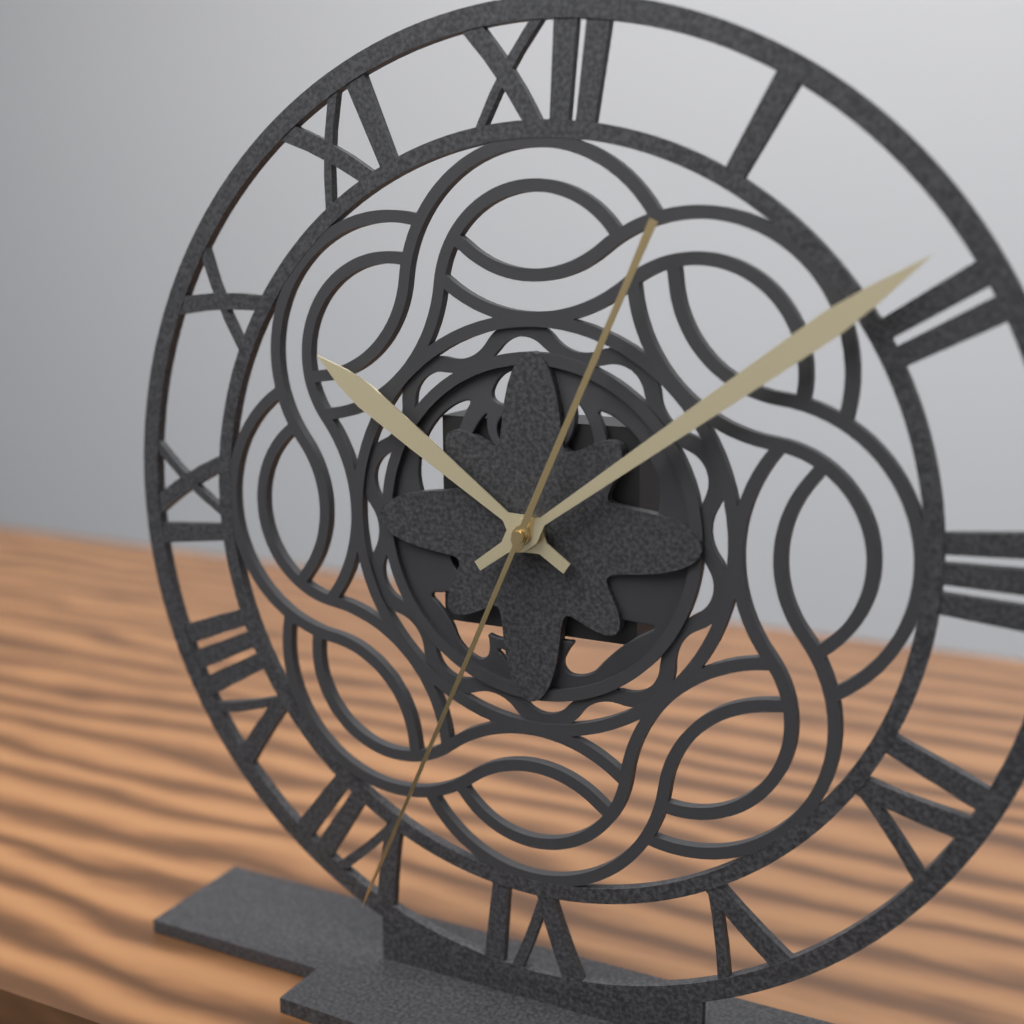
10 h 09 min 34 s
